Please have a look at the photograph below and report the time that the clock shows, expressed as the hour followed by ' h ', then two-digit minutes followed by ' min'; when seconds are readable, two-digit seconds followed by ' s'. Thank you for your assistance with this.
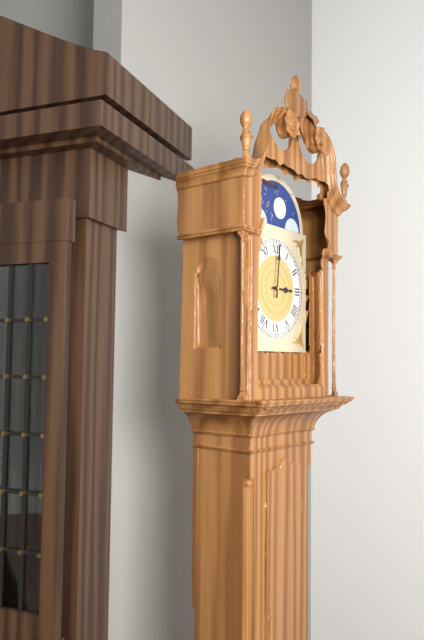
3 h 01 min
